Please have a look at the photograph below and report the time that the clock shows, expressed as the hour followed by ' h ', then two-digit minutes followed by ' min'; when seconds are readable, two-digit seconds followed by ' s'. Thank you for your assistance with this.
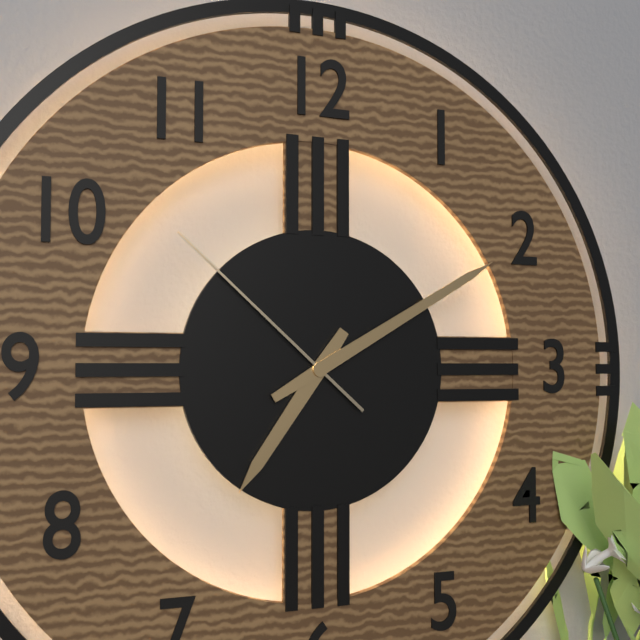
7 h 10 min 52 s
